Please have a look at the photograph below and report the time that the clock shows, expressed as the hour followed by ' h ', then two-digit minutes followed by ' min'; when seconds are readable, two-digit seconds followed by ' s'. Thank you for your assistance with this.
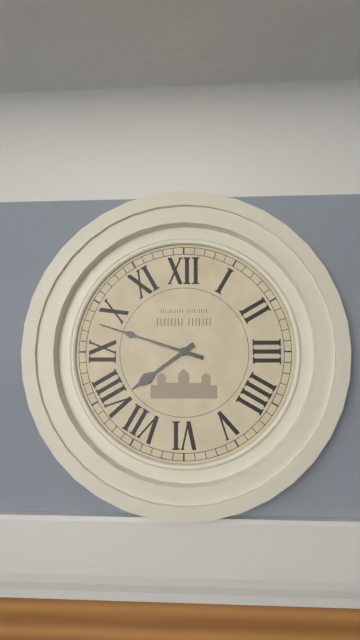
7 h 48 min
